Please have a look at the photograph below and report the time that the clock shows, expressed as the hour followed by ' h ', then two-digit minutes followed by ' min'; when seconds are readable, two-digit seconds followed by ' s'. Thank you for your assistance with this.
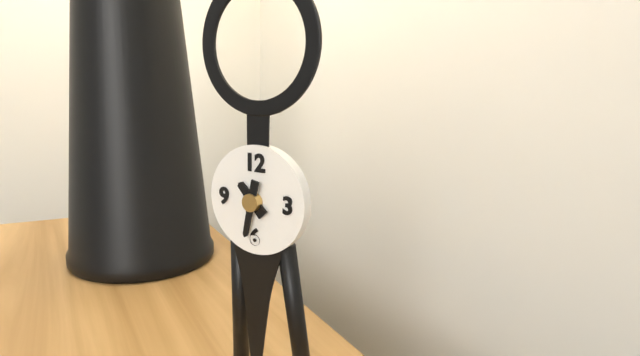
10 h 32 min
